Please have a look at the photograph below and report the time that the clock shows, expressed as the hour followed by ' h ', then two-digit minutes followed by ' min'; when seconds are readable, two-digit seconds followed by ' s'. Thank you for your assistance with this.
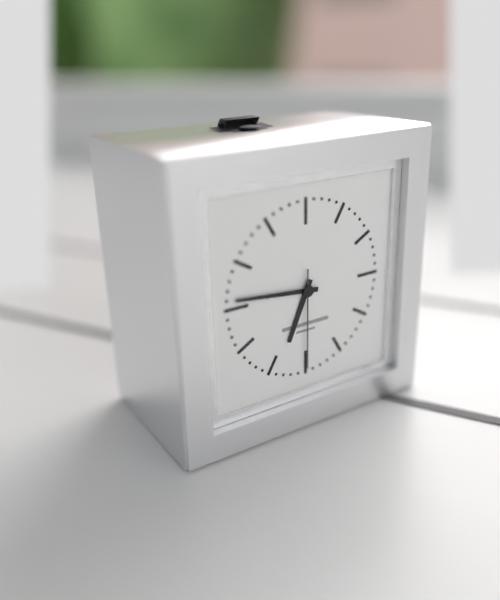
6 h 46 min 30 s
